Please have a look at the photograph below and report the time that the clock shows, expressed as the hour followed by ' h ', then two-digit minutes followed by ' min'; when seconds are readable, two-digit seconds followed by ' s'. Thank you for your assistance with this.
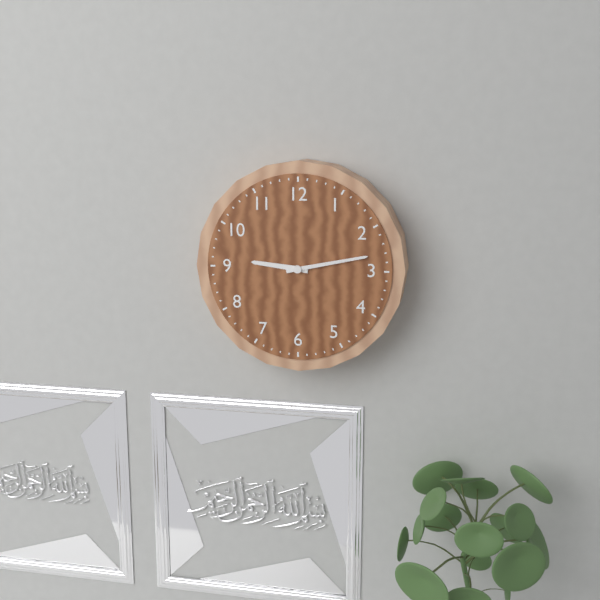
9 h 13 min
